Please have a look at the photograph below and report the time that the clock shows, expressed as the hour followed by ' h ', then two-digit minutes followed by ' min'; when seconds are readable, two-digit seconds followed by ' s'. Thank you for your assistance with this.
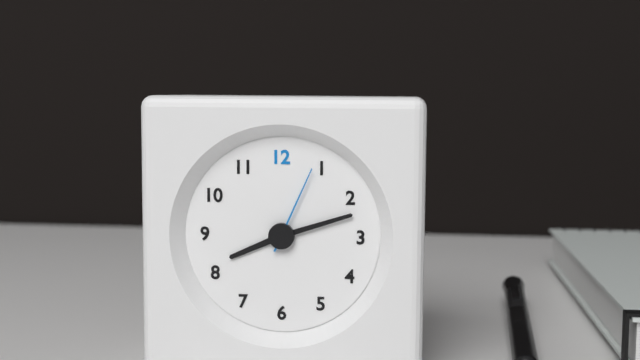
8 h 12 min 04 s
